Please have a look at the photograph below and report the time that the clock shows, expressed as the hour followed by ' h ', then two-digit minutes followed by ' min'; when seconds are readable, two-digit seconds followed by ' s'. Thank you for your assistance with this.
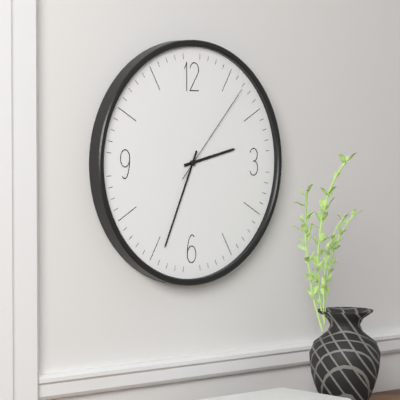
2 h 34 min 07 s
